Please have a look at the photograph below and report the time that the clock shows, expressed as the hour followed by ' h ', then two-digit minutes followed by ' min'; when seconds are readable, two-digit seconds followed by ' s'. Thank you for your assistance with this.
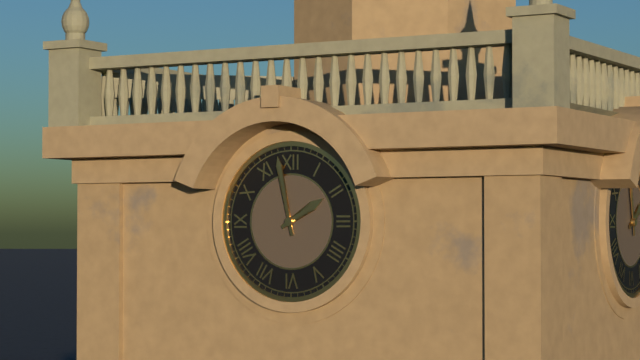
1 h 58 min
